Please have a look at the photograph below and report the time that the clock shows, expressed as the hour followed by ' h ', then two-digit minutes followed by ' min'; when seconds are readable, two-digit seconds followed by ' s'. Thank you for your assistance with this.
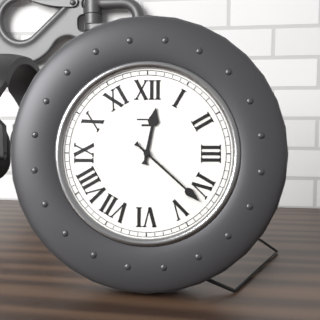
12 h 22 min
